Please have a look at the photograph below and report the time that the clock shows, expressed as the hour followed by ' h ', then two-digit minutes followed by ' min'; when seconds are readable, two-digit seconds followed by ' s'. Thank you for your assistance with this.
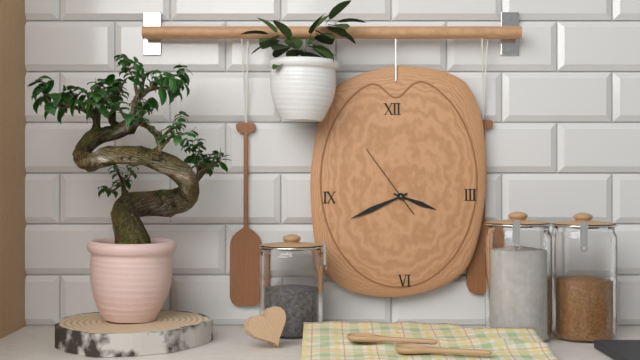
3 h 41 min 54 s
